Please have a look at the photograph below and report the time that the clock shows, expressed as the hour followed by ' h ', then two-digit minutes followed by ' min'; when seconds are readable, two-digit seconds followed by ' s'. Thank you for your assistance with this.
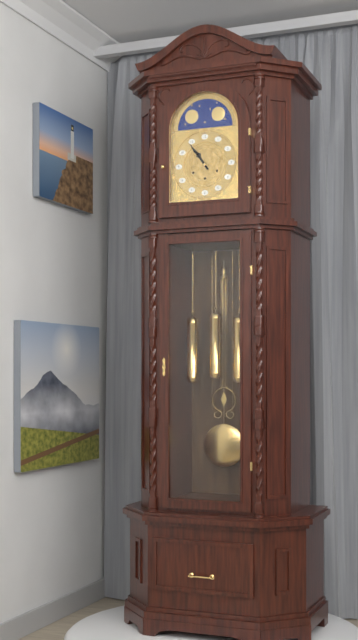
10 h 54 min
